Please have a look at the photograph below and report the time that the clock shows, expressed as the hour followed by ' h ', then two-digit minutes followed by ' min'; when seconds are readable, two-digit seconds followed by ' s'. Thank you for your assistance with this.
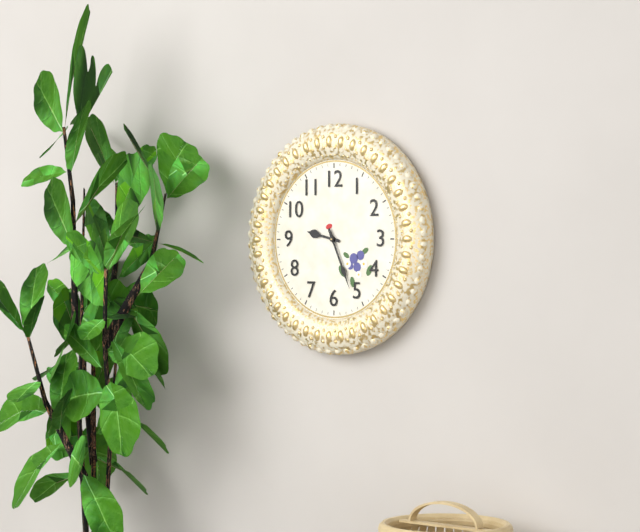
9 h 26 min
